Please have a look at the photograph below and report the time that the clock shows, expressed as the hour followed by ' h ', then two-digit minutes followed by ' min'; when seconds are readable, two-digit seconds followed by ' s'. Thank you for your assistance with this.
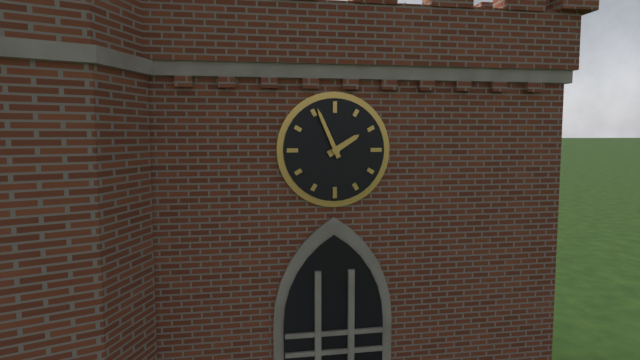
1 h 56 min
